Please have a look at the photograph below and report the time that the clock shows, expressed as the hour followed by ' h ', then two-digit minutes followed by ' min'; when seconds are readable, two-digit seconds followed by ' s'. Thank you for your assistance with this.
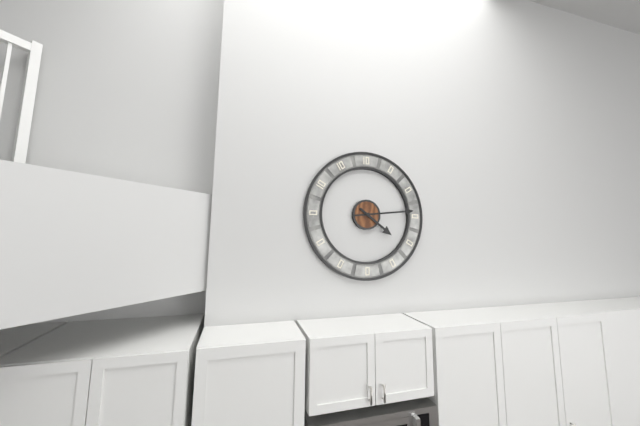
4 h 14 min
